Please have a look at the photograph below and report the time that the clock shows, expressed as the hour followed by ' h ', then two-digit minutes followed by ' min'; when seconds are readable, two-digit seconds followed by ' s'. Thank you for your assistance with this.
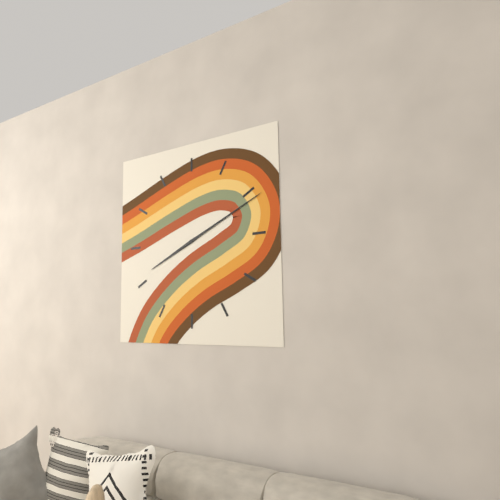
8 h 11 min
